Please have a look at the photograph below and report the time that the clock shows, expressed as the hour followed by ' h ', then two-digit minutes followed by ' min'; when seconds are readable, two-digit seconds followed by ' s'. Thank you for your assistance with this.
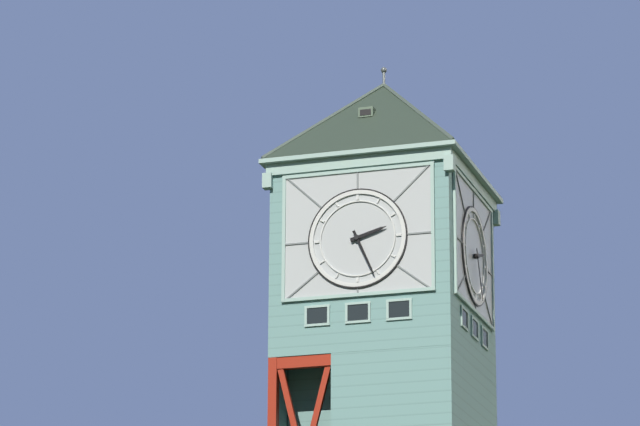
2 h 26 min
